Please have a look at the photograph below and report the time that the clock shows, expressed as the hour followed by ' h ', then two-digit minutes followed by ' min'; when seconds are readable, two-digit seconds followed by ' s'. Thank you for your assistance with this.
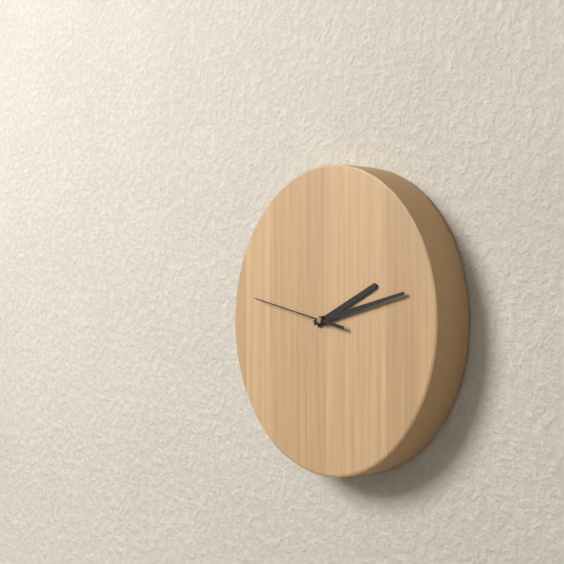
2 h 13 min 47 s
